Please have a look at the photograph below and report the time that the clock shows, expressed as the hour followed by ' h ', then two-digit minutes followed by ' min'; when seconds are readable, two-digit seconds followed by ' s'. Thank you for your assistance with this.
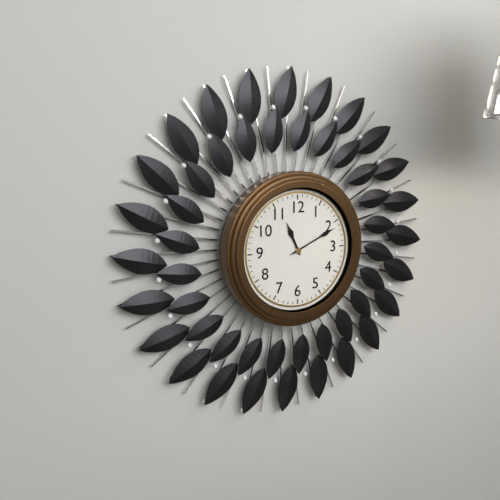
11 h 11 min
